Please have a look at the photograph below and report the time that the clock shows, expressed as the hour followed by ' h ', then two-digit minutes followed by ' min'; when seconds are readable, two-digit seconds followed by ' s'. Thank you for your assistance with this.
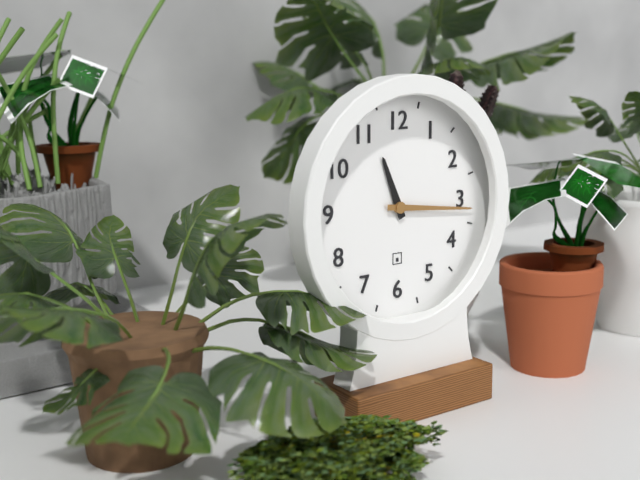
11 h 16 min
